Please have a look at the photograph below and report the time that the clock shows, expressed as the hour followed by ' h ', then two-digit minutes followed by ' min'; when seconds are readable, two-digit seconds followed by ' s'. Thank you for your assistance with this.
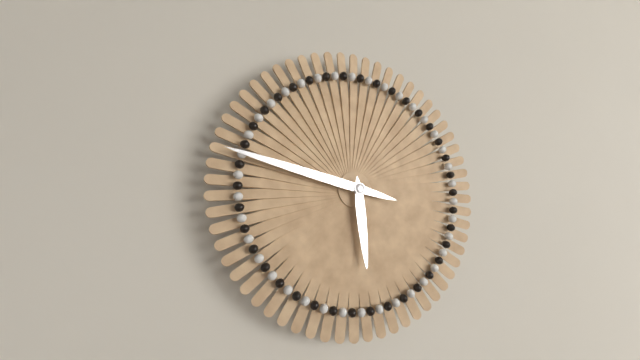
5 h 47 min
